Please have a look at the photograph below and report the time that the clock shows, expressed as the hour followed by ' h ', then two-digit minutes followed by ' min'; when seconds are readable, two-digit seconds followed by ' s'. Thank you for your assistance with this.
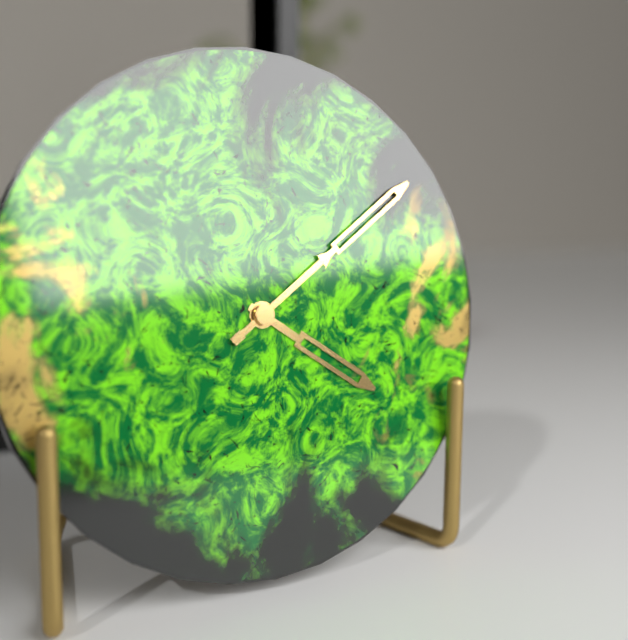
4 h 09 min
